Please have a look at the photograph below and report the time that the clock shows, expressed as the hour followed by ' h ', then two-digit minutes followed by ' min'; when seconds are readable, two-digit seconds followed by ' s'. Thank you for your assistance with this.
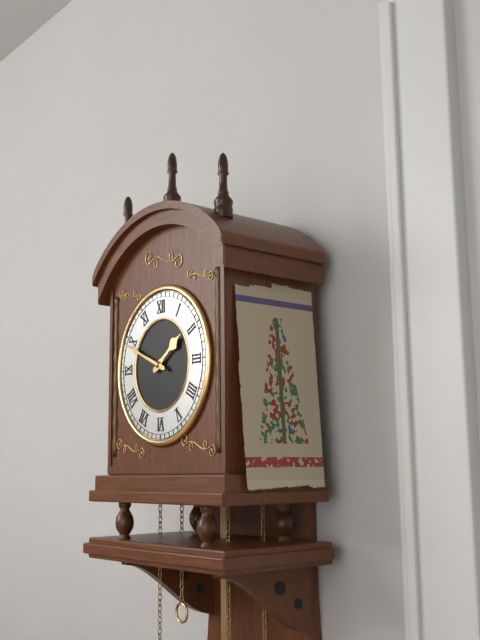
1 h 49 min
